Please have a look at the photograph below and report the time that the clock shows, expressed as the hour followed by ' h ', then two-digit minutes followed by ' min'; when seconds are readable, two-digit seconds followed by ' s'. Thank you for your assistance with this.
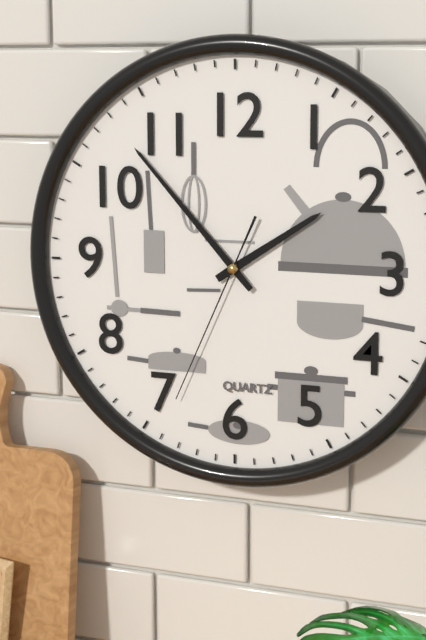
1 h 53 min 34 s
